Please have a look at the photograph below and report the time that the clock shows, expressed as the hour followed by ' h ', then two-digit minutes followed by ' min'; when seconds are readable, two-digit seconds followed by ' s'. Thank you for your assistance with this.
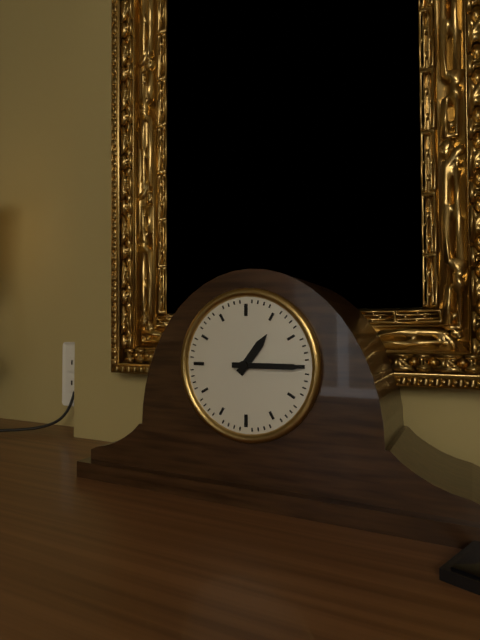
1 h 15 min
